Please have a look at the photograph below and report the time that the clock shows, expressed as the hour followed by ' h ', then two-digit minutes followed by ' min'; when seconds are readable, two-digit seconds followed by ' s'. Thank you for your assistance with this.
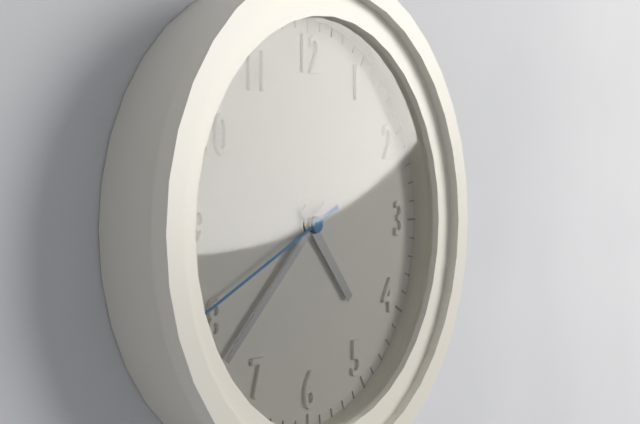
4 h 38 min 41 s
